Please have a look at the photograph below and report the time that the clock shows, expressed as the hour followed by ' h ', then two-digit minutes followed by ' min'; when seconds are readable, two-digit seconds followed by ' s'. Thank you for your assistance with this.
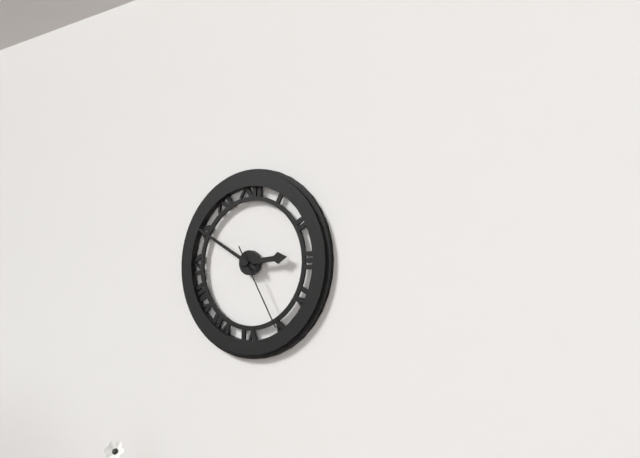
2 h 50 min 25 s
